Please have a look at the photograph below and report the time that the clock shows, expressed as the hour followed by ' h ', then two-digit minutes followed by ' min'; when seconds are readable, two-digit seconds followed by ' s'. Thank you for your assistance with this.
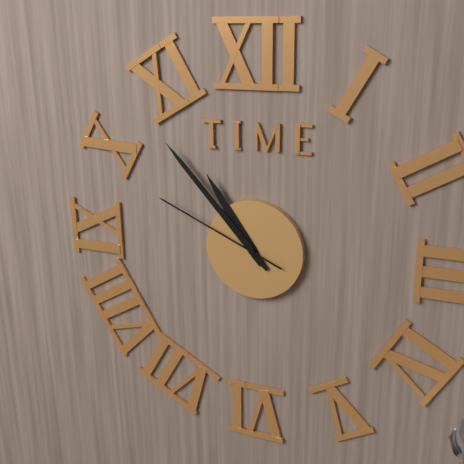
10 h 53 min 49 s
